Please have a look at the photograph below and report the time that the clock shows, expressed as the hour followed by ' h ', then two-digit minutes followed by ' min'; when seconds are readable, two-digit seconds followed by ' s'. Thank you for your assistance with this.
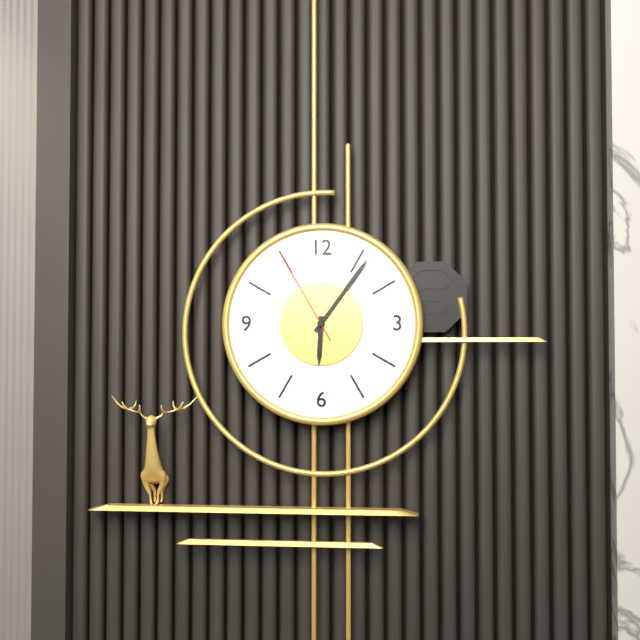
6 h 06 min 55 s
